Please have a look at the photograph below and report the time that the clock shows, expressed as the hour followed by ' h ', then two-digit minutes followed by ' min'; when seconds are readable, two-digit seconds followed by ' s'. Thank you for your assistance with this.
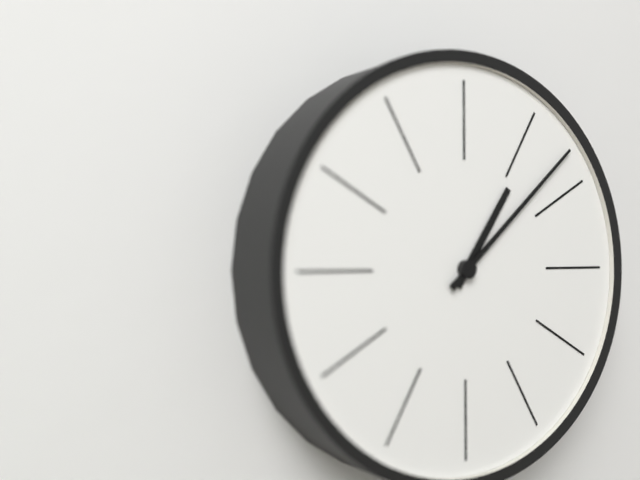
1 h 08 min
